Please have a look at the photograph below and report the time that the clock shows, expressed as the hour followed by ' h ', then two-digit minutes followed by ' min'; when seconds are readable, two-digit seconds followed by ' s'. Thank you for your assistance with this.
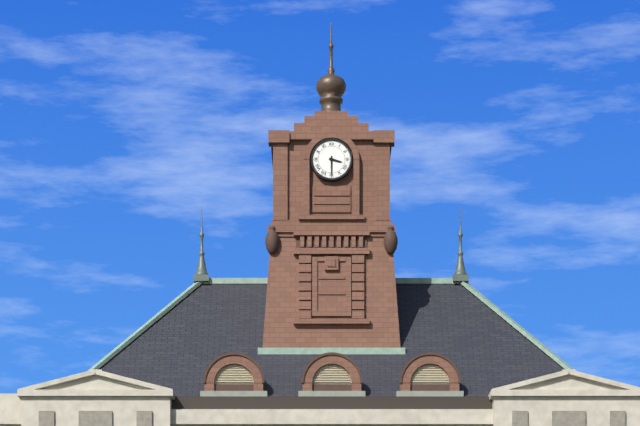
3 h 30 min
